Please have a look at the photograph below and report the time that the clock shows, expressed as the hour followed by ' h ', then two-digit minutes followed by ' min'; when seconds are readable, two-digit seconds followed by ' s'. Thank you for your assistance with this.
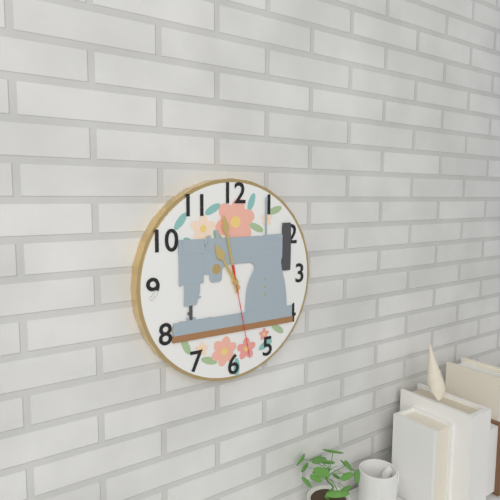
10 h 58 min 28 s
